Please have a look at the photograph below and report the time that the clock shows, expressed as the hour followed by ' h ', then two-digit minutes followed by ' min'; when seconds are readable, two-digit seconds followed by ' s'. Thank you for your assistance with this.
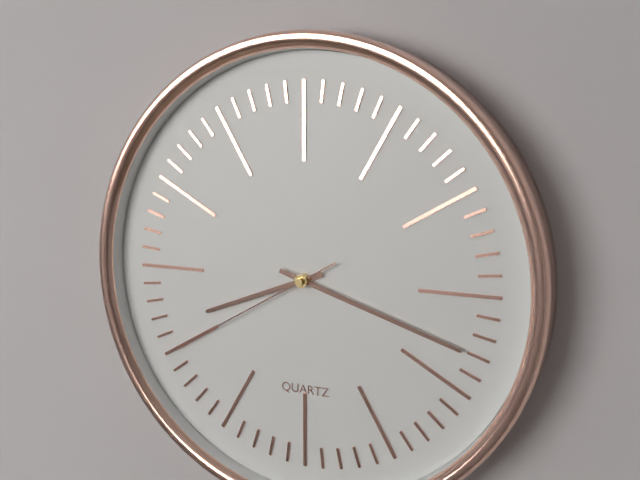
8 h 18 min 40 s
